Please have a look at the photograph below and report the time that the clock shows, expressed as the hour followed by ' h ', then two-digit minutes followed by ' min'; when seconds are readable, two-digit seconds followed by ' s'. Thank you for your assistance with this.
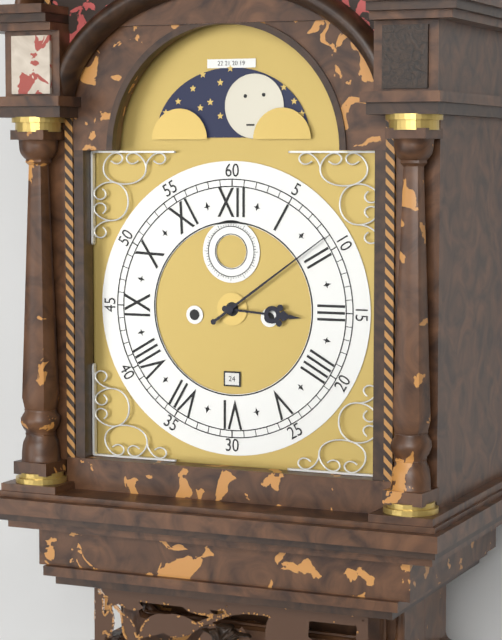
3 h 09 min
